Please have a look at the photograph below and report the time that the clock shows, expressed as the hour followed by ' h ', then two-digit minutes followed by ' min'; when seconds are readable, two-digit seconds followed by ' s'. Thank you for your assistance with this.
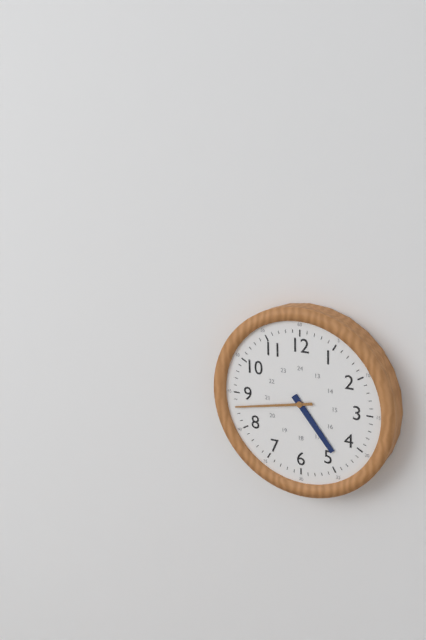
4 h 43 min
